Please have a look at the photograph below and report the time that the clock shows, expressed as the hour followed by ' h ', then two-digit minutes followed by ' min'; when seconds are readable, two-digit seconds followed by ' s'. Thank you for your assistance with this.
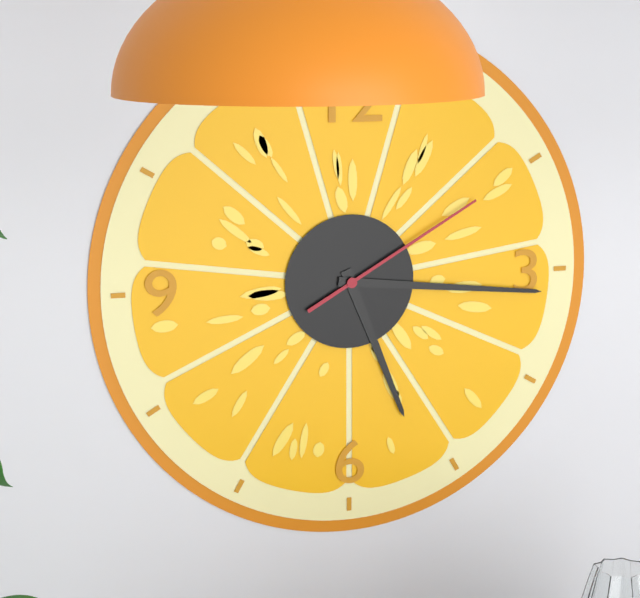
5 h 16 min 10 s
